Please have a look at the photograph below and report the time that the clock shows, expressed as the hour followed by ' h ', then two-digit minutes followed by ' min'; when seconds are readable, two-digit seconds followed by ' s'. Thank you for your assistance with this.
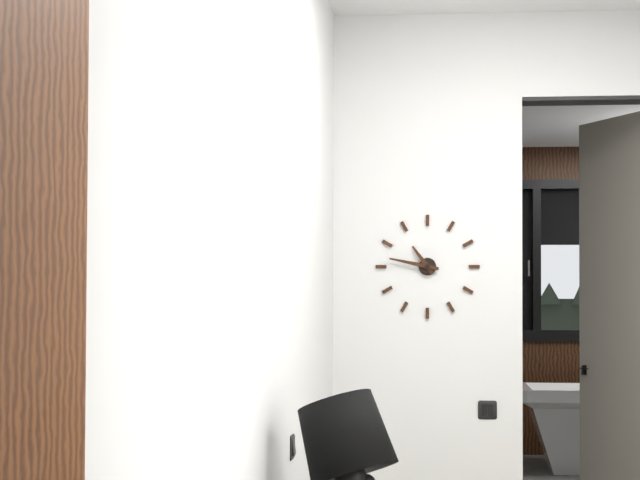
10 h 47 min
